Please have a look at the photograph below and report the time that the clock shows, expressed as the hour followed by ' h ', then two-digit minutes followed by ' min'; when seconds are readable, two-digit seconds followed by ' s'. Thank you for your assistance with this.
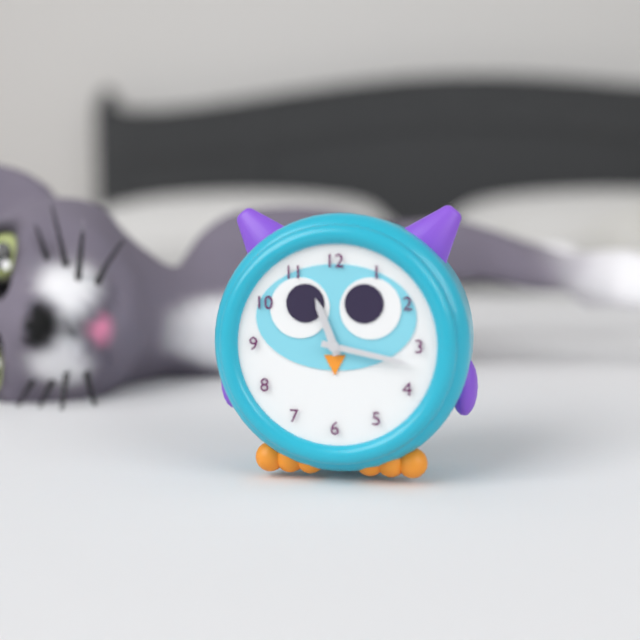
11 h 17 min
